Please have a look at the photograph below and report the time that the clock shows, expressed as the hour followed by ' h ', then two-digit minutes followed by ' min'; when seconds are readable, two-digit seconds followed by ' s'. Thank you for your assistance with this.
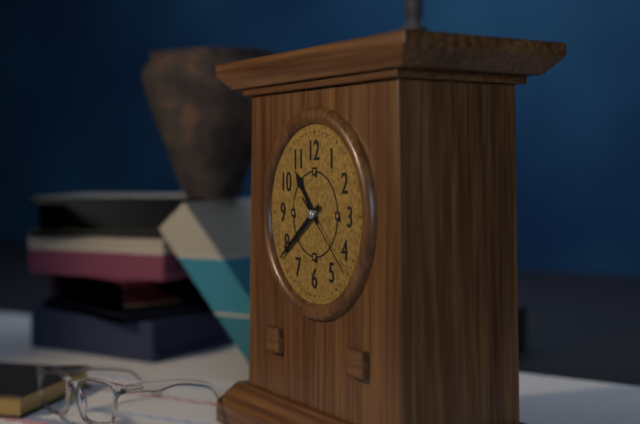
10 h 39 min 22 s
